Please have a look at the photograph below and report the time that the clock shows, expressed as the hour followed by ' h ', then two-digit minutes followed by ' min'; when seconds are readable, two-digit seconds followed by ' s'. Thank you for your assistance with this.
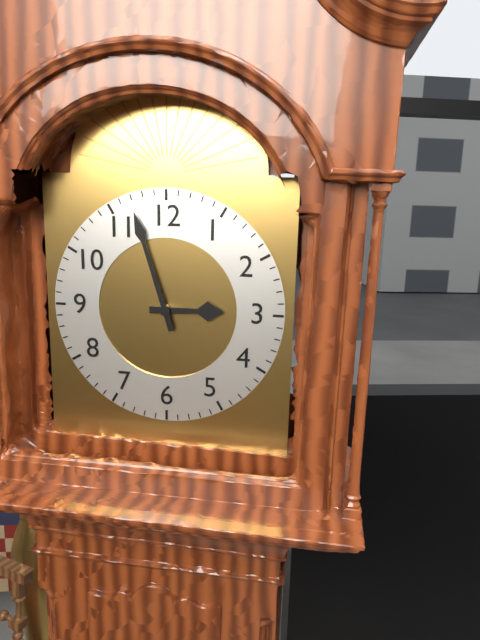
2 h 57 min
